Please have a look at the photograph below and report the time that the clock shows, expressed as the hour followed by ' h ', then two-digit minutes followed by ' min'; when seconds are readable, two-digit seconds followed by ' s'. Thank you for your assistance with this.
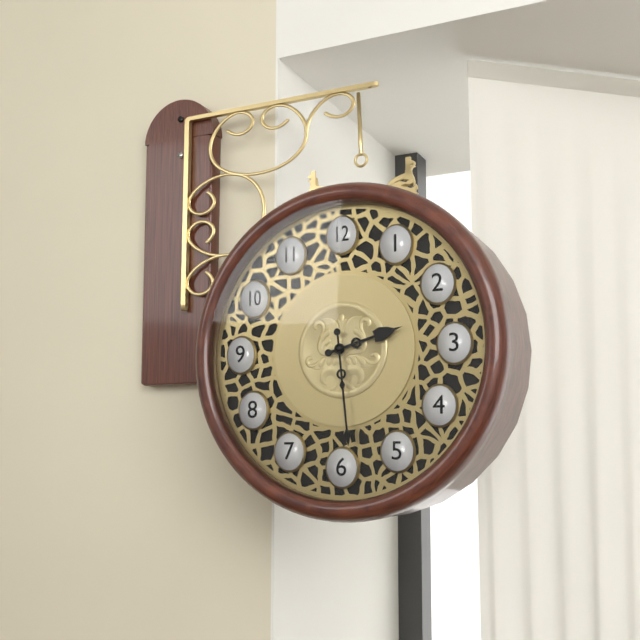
2 h 29 min
